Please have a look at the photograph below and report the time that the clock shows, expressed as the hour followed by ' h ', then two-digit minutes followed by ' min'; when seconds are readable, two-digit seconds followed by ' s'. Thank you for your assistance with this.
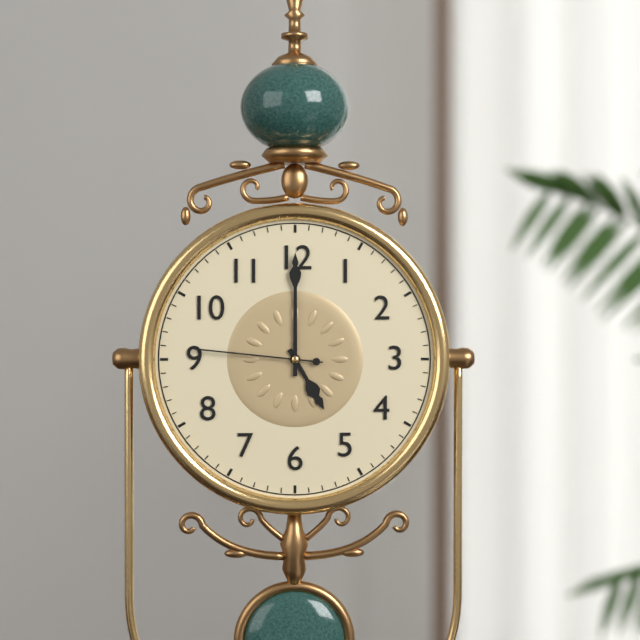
5 h 00 min 46 s
